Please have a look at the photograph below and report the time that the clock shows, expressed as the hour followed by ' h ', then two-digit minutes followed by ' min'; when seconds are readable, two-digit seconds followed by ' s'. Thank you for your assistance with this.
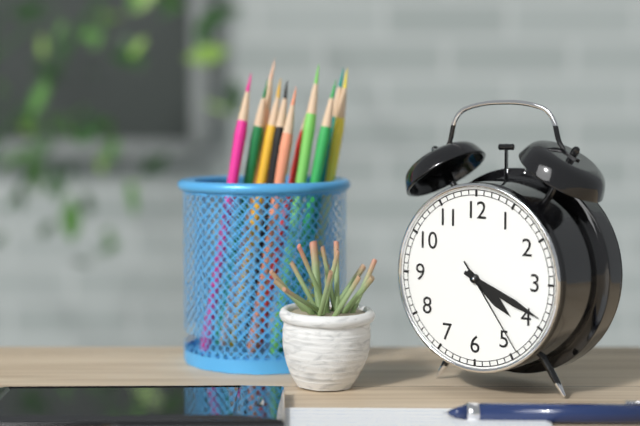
4 h 19 min 24 s
